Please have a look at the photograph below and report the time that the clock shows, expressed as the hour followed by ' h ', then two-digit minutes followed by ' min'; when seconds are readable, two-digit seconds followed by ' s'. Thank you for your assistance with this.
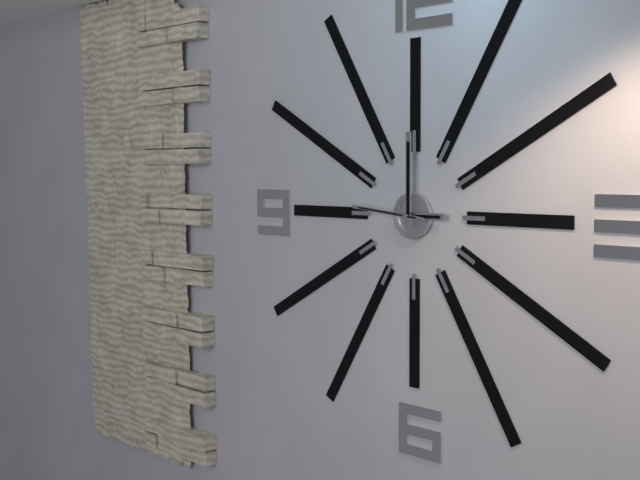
3 h 00 min 46 s
